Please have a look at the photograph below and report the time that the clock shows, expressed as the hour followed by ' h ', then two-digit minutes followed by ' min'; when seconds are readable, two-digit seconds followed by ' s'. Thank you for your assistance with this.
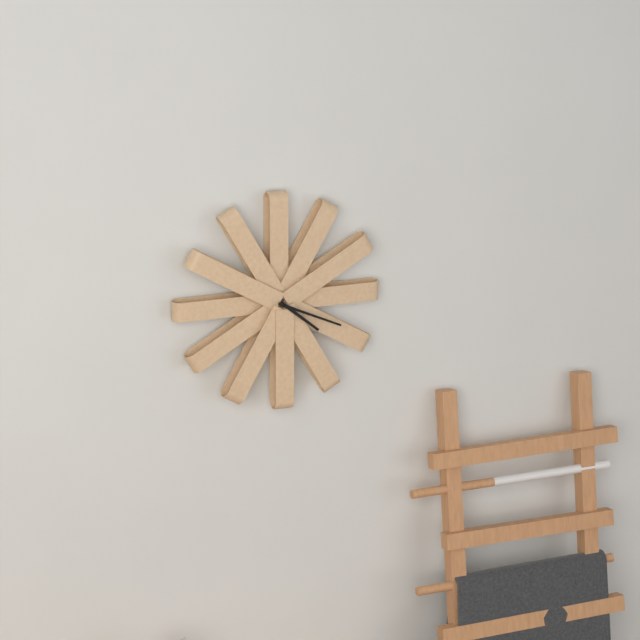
4 h 19 min
